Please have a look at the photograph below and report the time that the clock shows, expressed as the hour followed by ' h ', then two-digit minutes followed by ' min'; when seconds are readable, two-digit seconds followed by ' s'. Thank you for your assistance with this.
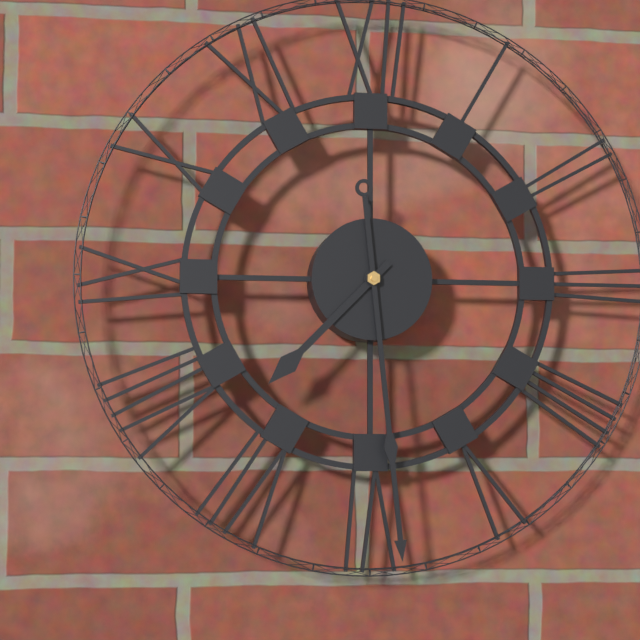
7 h 29 min
